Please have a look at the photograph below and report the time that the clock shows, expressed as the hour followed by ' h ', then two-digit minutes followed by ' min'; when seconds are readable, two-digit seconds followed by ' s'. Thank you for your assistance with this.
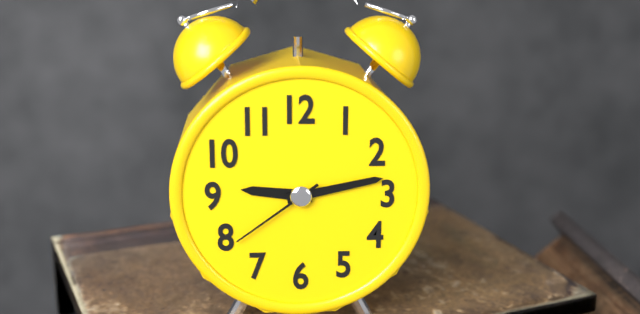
9 h 13 min 39 s
